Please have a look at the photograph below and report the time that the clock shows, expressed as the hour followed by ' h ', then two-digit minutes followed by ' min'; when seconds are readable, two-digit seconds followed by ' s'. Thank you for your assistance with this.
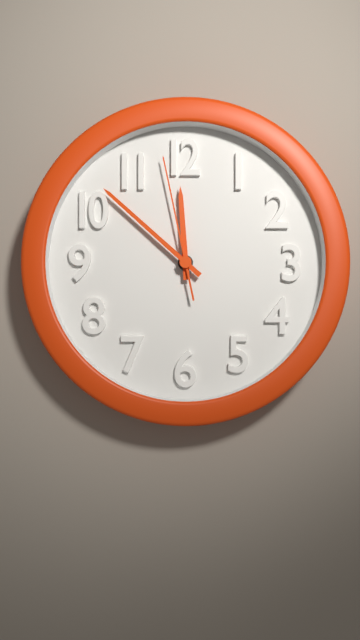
11 h 52 min 58 s
